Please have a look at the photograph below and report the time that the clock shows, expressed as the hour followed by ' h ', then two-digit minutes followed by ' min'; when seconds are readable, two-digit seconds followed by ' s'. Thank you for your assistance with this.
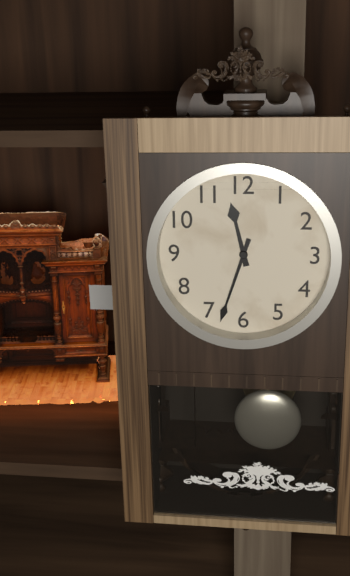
11 h 33 min
